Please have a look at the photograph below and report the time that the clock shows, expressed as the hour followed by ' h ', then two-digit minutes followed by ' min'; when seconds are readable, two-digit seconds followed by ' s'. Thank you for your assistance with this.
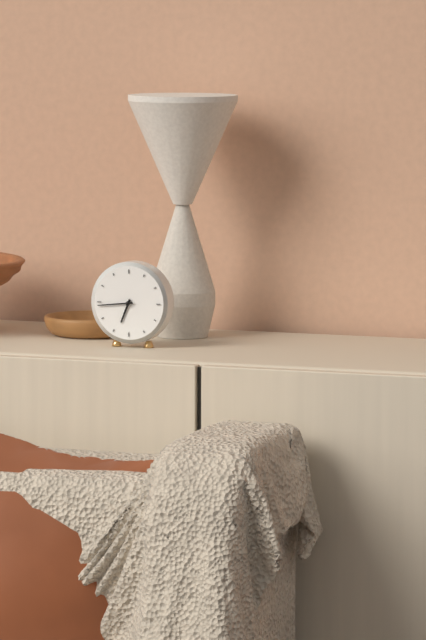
6 h 44 min
